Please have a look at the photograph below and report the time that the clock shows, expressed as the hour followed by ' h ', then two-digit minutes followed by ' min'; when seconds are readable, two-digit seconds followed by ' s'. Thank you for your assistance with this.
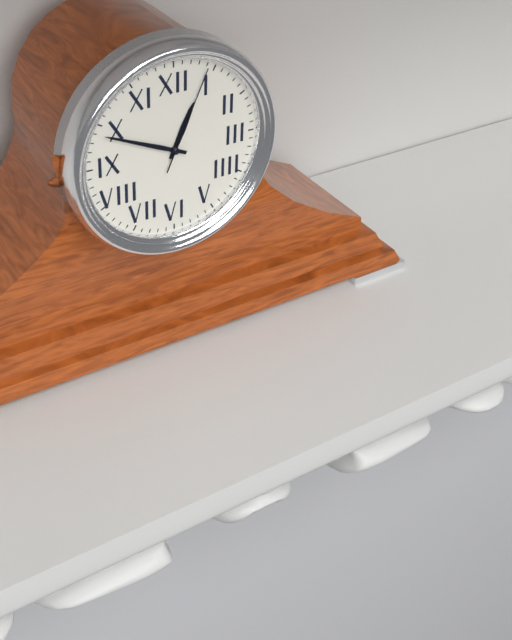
12 h 49 min 04 s
